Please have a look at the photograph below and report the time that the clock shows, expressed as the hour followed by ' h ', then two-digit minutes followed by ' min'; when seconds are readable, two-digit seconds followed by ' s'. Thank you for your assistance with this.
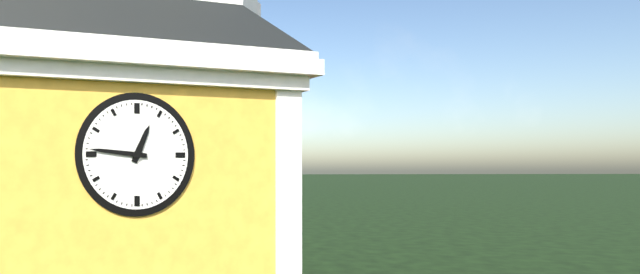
12 h 46 min
